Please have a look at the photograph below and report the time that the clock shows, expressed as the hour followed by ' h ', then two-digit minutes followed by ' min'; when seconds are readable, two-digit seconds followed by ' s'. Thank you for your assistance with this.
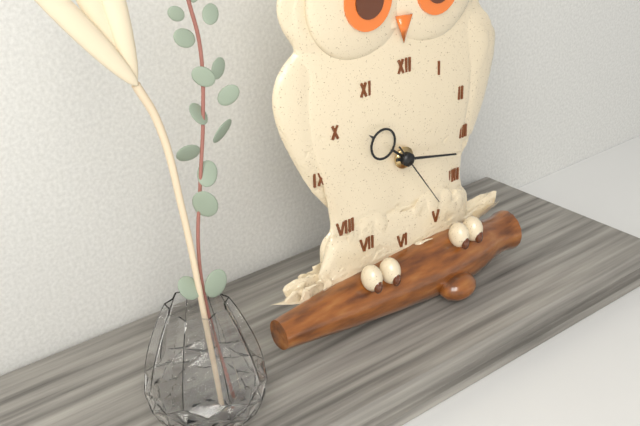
10 h 17 min 24 s
